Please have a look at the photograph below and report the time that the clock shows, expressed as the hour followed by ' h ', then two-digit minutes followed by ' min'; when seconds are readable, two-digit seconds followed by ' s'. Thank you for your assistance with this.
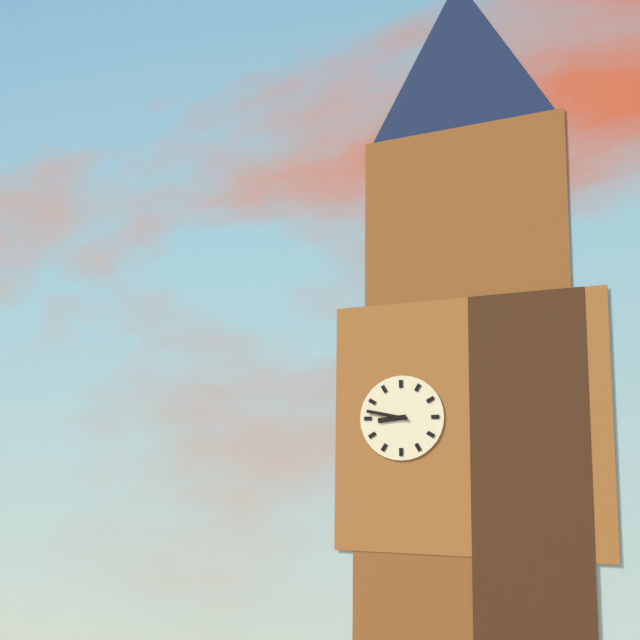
8 h 47 min
